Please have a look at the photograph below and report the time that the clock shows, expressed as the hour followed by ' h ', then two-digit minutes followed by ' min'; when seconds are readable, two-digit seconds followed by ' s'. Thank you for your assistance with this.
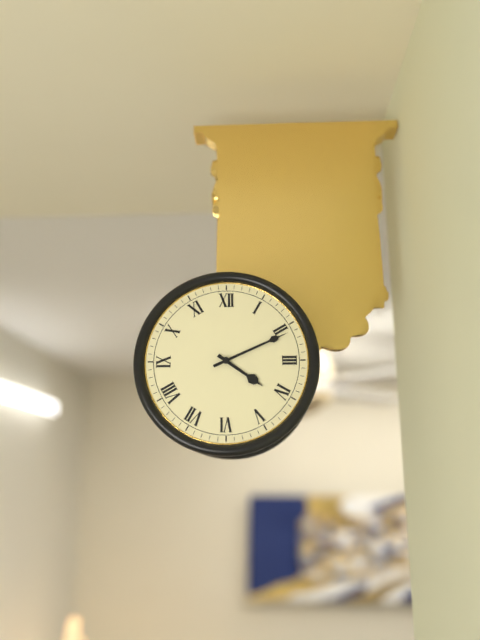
4 h 11 min
